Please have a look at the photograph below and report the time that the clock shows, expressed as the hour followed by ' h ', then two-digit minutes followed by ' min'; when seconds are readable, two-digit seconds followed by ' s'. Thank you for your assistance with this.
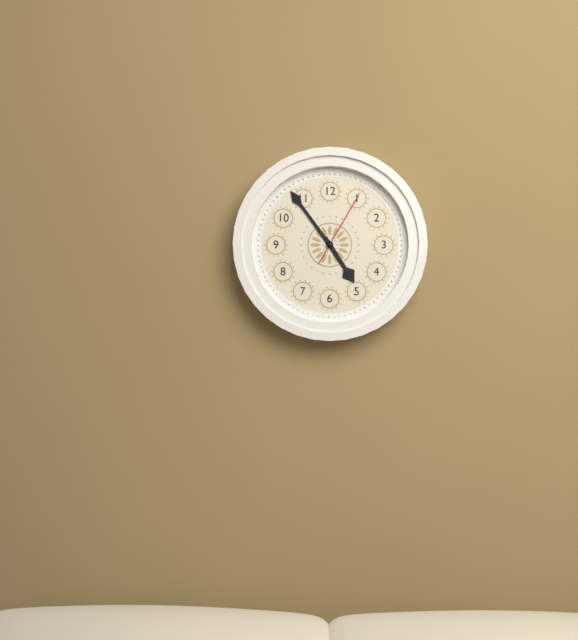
4 h 54 min 05 s
